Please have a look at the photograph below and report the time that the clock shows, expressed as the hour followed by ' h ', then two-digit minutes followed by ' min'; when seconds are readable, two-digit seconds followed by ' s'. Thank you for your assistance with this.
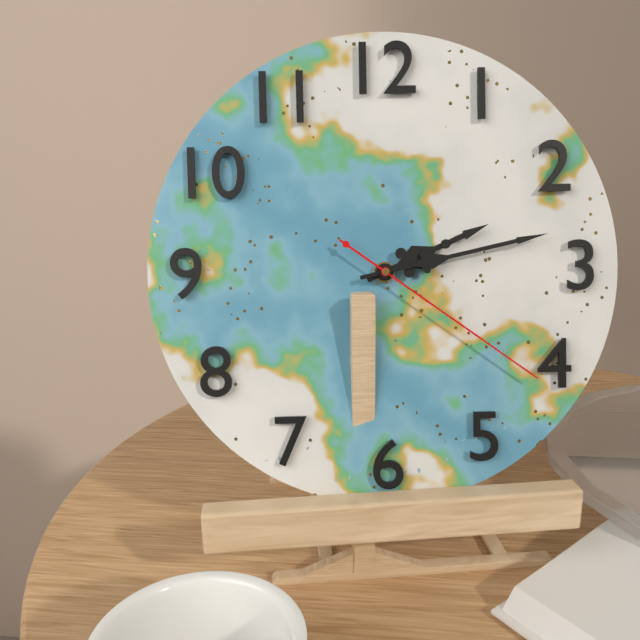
2 h 13 min 21 s
